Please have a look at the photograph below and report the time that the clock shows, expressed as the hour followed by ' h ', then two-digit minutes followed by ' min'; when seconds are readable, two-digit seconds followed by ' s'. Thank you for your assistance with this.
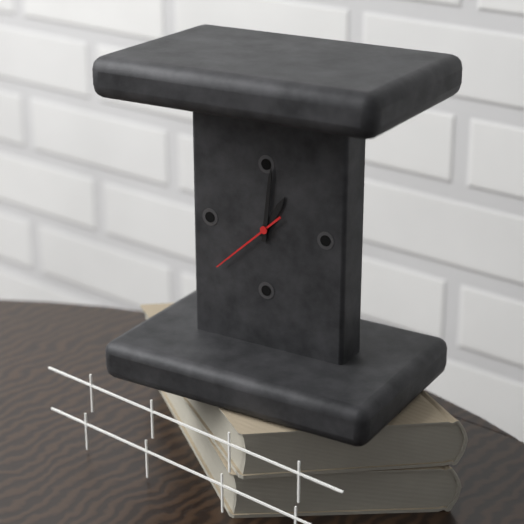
1 h 01 min 38 s
